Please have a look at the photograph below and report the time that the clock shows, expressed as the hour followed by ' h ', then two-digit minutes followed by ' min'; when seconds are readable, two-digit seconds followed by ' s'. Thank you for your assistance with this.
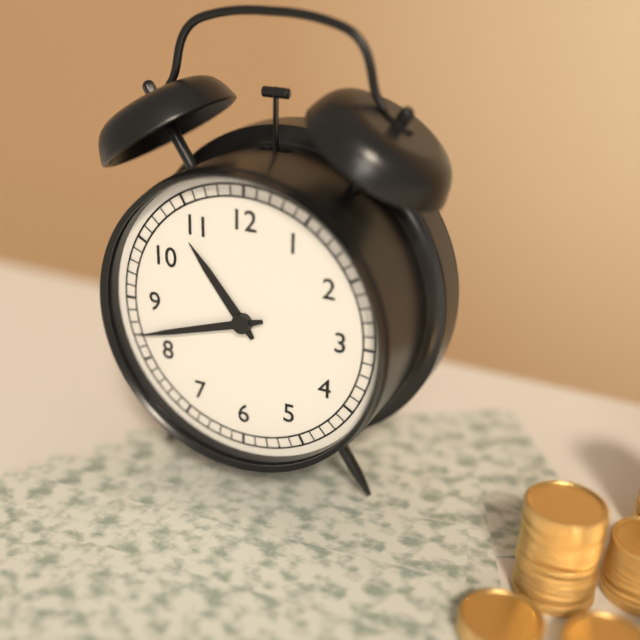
10 h 42 min
